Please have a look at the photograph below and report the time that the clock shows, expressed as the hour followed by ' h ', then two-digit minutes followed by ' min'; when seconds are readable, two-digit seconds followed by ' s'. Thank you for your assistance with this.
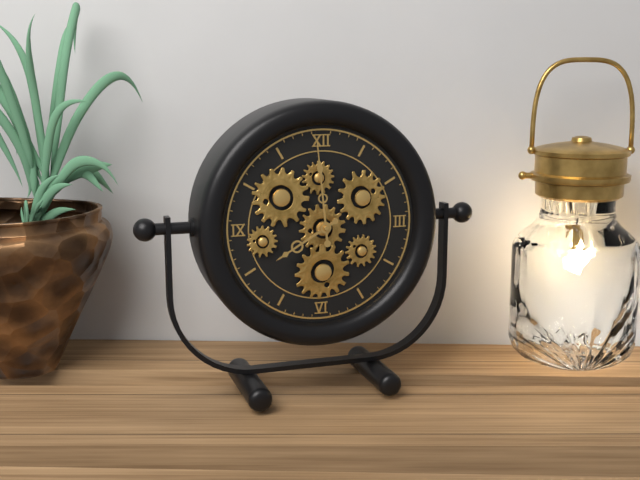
7 h 59 min
